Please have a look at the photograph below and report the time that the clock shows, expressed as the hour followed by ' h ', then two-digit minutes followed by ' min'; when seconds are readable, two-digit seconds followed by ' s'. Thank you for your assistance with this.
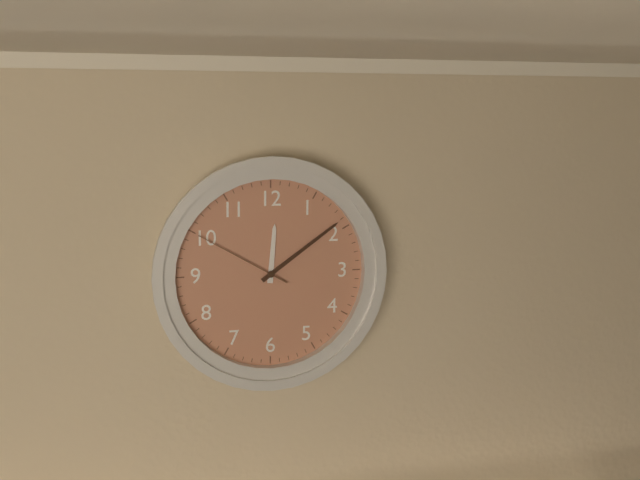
12 h 09 min 50 s
